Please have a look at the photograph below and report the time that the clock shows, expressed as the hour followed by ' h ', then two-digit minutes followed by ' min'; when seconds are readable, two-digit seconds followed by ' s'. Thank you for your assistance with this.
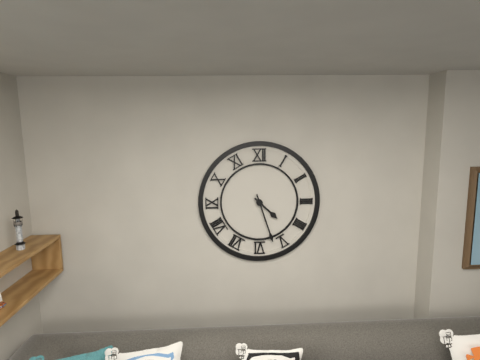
4 h 27 min
